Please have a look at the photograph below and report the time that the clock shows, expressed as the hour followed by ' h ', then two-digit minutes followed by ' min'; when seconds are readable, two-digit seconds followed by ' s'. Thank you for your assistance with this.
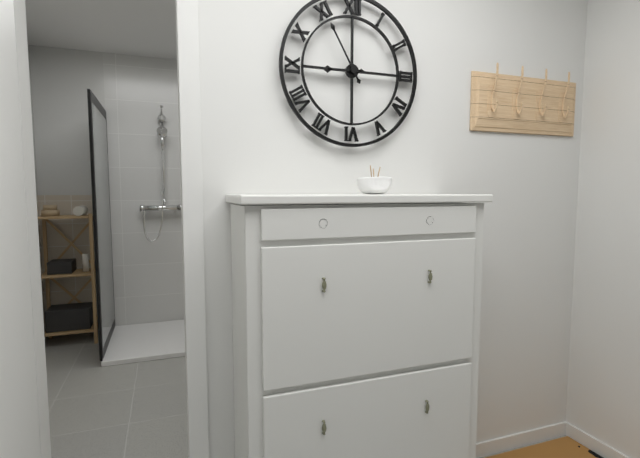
8 h 55 min
